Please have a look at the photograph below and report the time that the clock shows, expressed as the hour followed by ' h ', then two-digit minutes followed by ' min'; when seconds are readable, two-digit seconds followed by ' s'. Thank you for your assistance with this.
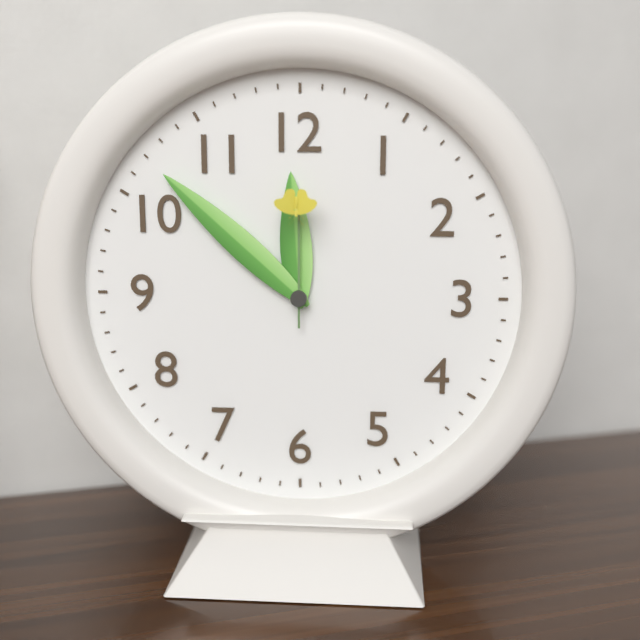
11 h 52 min 00 s
